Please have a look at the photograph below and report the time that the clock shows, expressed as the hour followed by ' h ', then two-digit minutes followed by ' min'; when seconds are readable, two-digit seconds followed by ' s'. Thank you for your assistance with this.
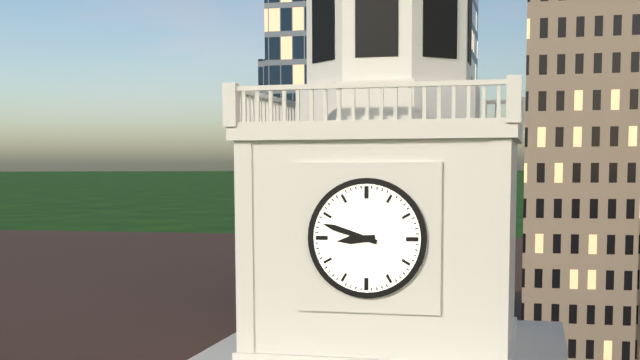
8 h 48 min
